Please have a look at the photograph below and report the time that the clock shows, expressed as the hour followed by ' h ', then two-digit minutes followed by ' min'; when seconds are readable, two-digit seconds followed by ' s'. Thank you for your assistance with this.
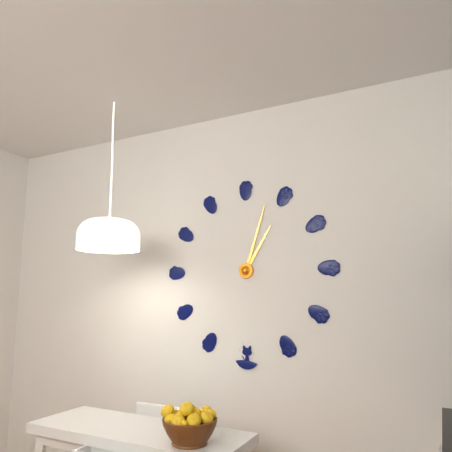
1 h 03 min
